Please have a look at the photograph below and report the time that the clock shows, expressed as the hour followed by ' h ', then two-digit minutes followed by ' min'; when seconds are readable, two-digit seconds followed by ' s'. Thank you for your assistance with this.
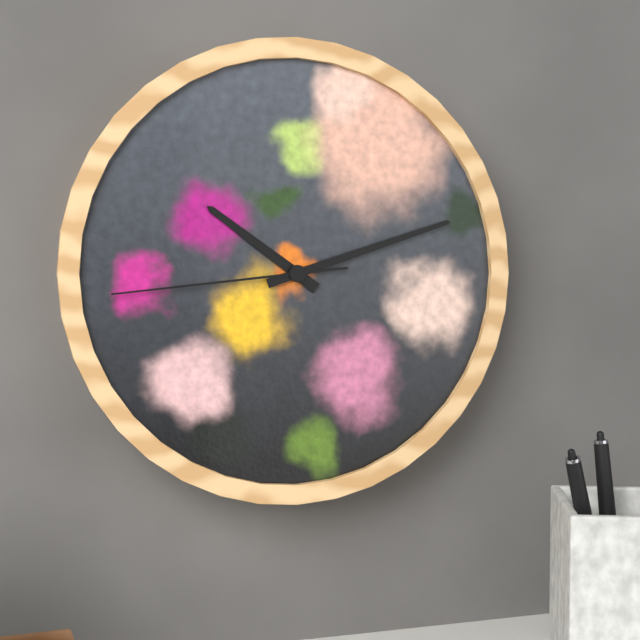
10 h 12 min 44 s
